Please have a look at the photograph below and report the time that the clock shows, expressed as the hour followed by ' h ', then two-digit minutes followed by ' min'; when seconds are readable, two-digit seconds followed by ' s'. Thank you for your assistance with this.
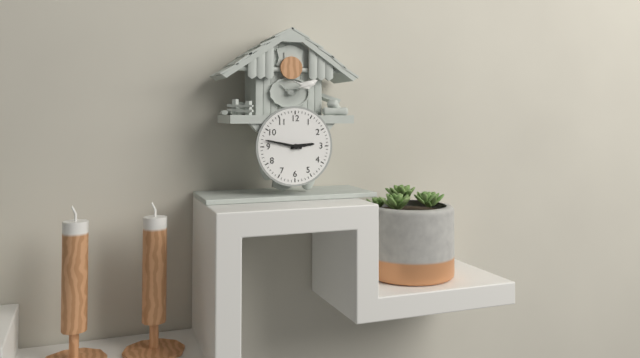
2 h 47 min
